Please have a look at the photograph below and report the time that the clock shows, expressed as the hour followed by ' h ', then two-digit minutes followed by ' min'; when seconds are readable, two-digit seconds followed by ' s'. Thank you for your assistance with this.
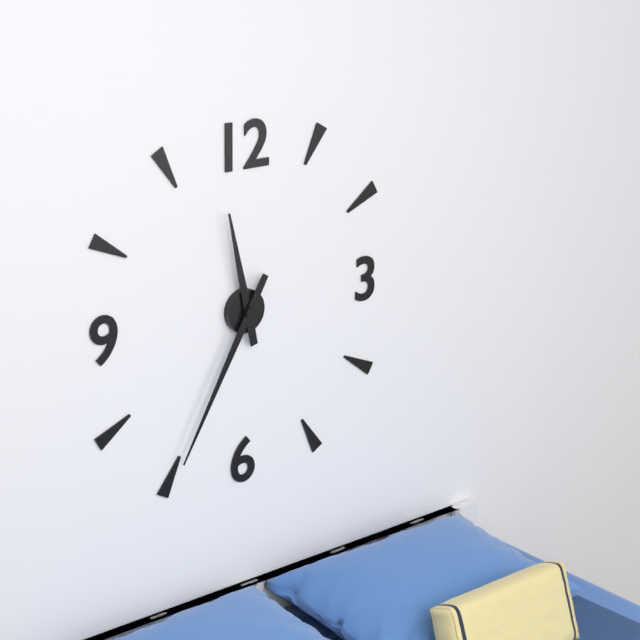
11 h 35 min
